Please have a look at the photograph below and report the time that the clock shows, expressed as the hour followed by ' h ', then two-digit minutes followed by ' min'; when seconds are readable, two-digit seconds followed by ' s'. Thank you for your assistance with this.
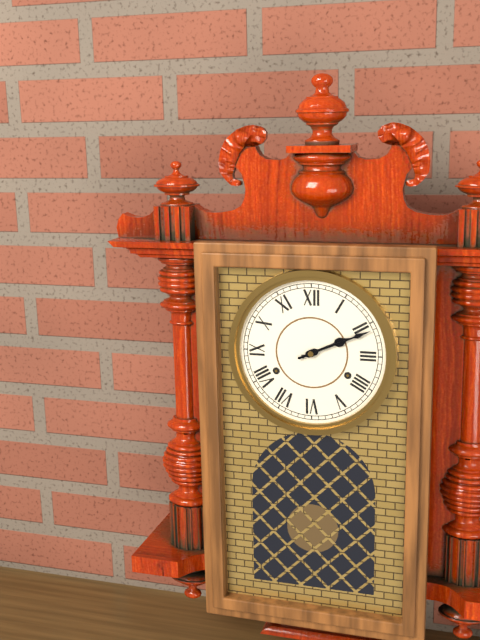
2 h 11 min
